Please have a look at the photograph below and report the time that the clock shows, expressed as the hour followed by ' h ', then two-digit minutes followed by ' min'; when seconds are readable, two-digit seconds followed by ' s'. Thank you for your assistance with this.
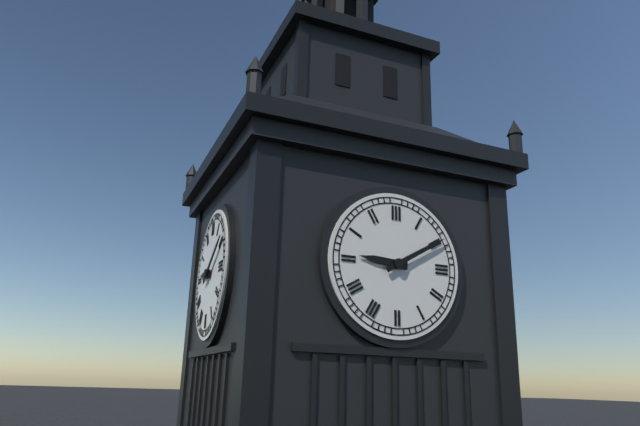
9 h 10 min
